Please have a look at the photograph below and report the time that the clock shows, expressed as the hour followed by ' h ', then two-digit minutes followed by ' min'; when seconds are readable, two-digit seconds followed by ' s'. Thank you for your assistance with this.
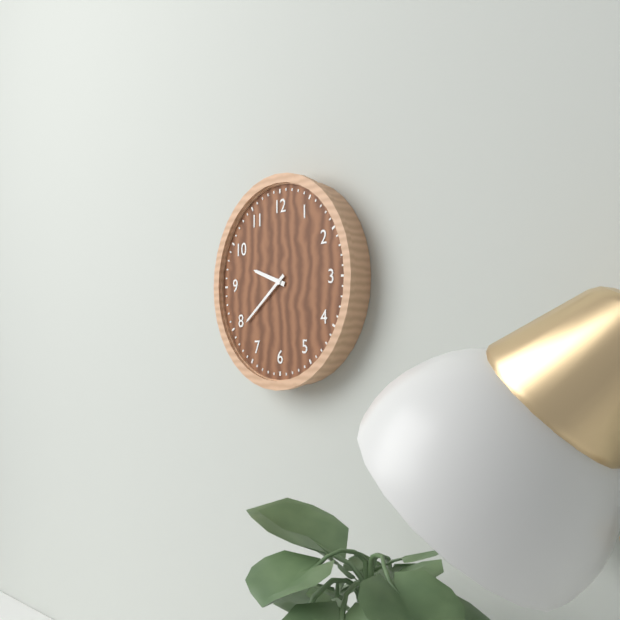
9 h 39 min
